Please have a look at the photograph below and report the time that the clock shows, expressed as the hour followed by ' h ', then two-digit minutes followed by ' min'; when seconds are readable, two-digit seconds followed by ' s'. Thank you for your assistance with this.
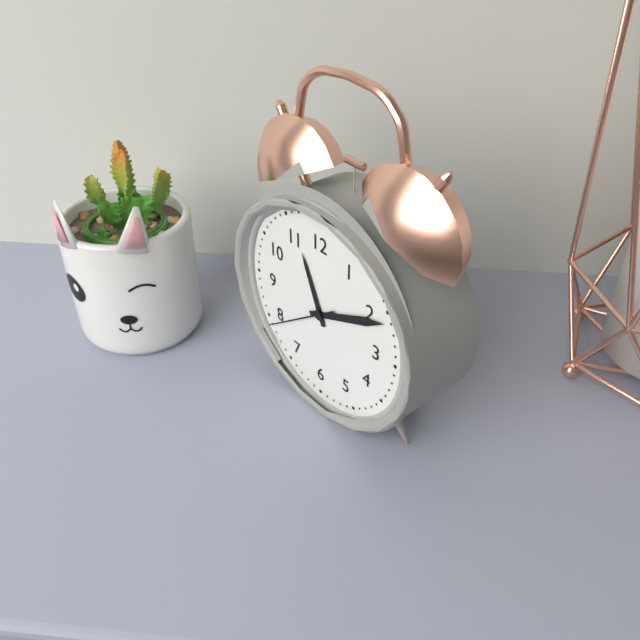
11 h 11 min 39 s
